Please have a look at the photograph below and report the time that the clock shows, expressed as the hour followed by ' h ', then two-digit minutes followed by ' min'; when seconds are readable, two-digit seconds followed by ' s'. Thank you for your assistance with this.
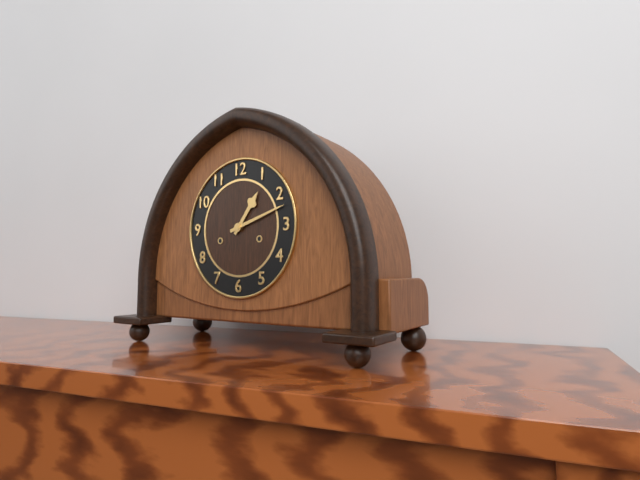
1 h 12 min
